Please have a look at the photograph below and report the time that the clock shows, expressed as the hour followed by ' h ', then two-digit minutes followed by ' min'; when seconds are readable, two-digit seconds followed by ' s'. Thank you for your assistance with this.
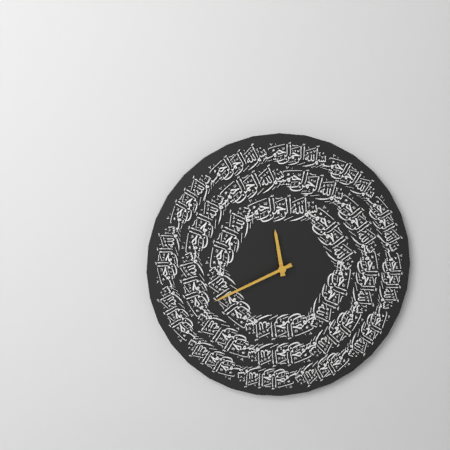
11 h 41 min
